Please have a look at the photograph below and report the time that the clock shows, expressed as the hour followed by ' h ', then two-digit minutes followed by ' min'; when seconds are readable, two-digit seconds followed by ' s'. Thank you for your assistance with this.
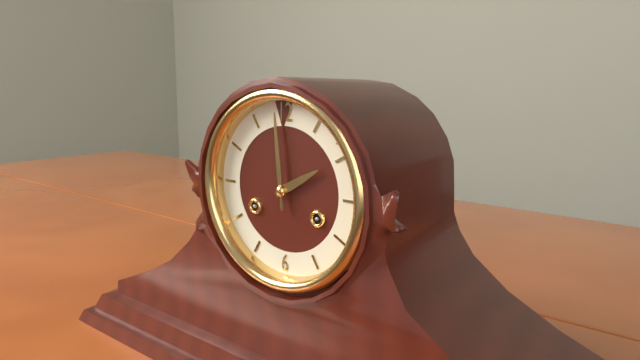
1 h 59 min
